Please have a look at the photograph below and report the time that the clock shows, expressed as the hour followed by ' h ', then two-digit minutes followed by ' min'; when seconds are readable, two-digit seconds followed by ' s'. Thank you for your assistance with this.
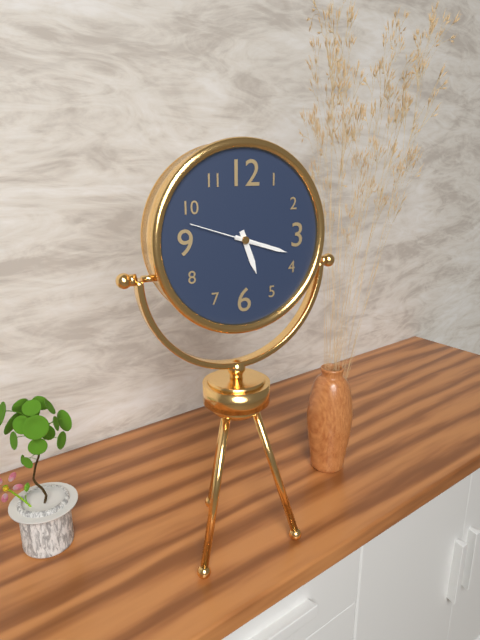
5 h 18 min 48 s
